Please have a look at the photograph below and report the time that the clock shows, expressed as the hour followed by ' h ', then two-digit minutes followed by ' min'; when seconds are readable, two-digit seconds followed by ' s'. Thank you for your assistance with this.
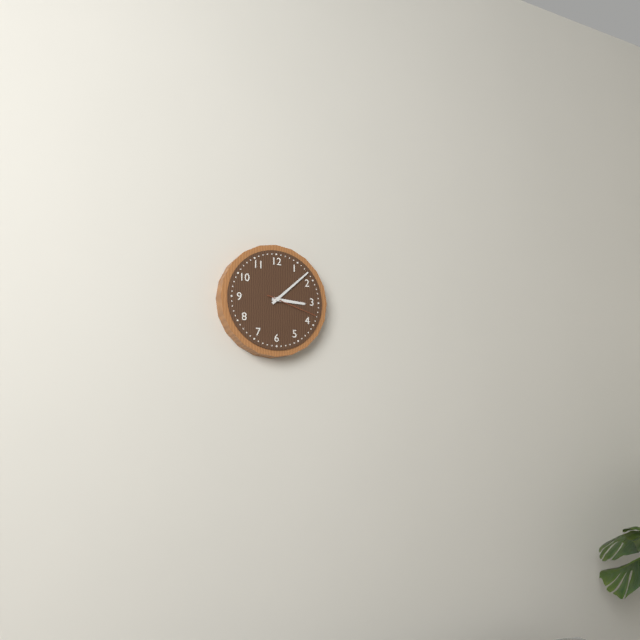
3 h 08 min 18 s
